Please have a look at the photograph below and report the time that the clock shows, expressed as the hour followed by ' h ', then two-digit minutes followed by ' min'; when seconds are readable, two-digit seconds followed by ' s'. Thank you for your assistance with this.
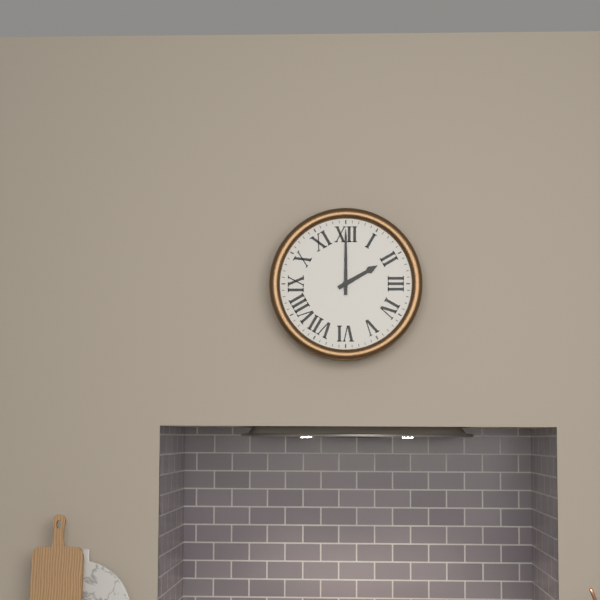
2 h 00 min
